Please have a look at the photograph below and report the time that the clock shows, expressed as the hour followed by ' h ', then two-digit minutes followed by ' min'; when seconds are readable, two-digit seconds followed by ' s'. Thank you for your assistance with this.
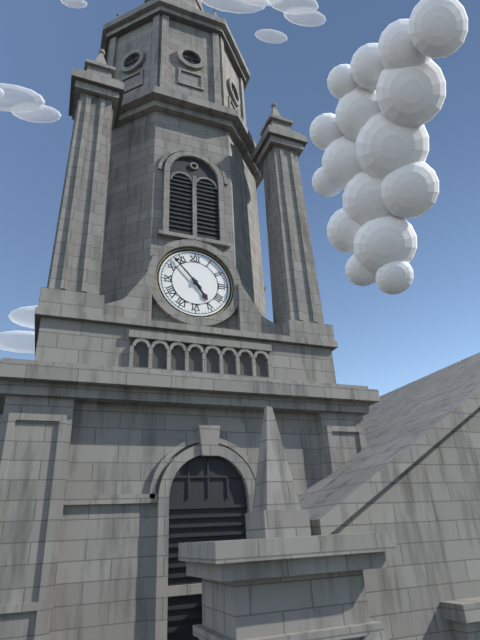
4 h 53 min
